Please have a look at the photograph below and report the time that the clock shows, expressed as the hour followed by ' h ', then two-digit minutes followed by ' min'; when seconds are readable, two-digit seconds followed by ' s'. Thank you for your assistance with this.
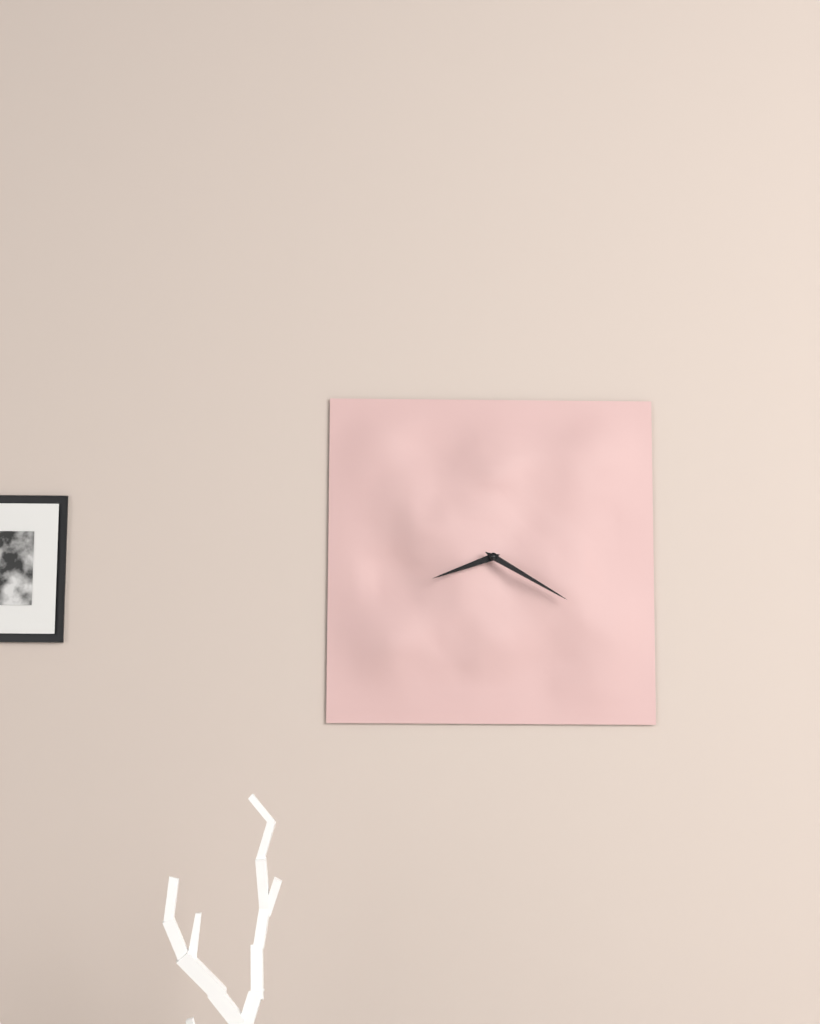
8 h 20 min
